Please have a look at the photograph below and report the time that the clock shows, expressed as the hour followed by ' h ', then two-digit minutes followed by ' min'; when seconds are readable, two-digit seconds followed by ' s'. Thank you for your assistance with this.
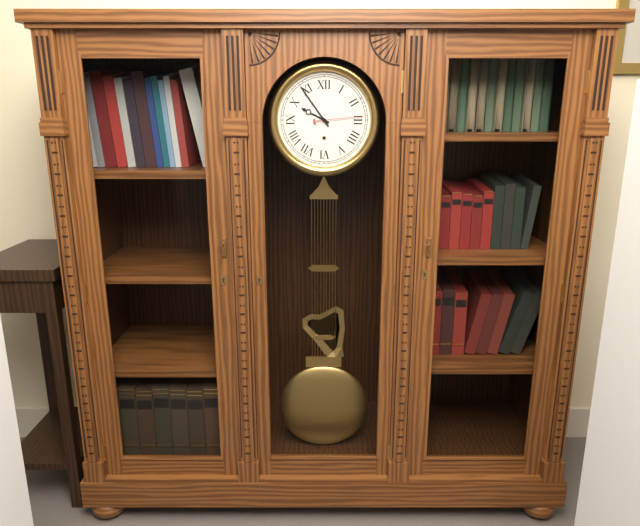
9 h 54 min
